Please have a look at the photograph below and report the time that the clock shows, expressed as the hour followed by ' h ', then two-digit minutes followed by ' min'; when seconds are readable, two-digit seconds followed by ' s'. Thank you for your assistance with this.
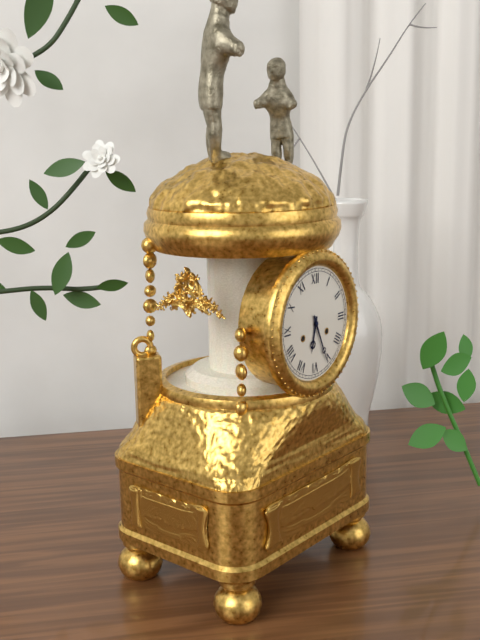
6 h 26 min
